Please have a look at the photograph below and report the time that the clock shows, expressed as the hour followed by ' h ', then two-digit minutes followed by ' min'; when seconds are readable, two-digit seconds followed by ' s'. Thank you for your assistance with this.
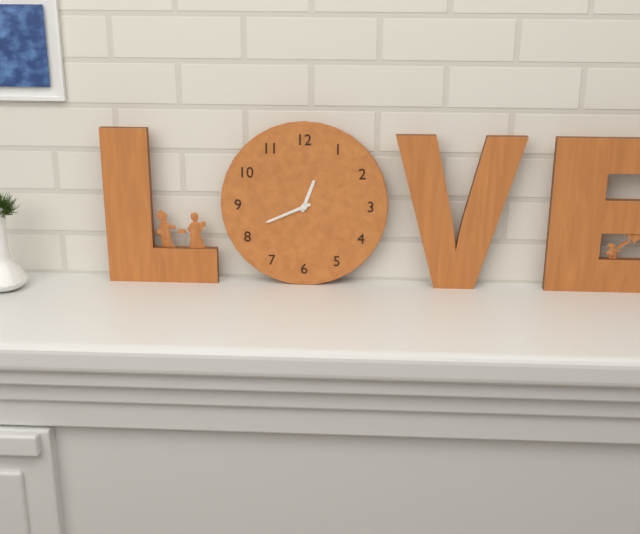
12 h 41 min
